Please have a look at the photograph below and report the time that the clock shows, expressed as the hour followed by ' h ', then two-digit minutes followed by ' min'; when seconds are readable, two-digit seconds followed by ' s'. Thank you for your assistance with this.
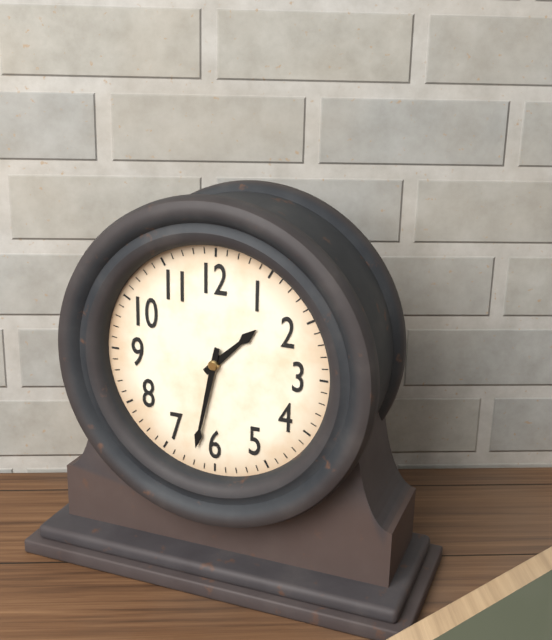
1 h 32 min
